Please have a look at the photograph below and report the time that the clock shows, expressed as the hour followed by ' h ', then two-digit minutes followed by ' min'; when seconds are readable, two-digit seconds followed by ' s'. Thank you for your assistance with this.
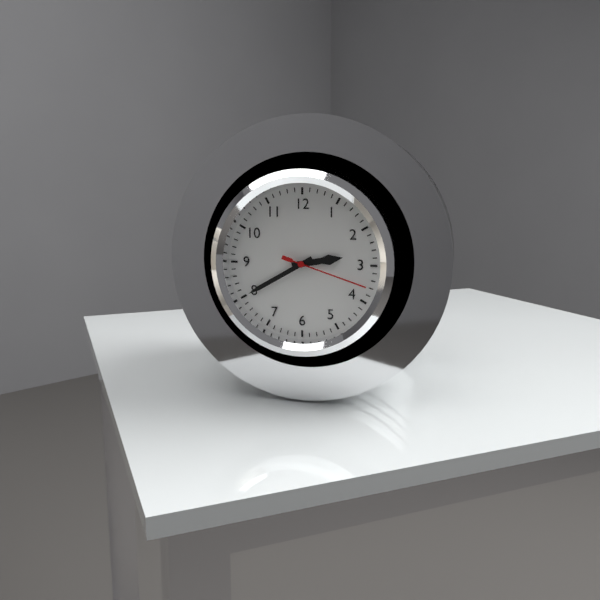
2 h 40 min 18 s
